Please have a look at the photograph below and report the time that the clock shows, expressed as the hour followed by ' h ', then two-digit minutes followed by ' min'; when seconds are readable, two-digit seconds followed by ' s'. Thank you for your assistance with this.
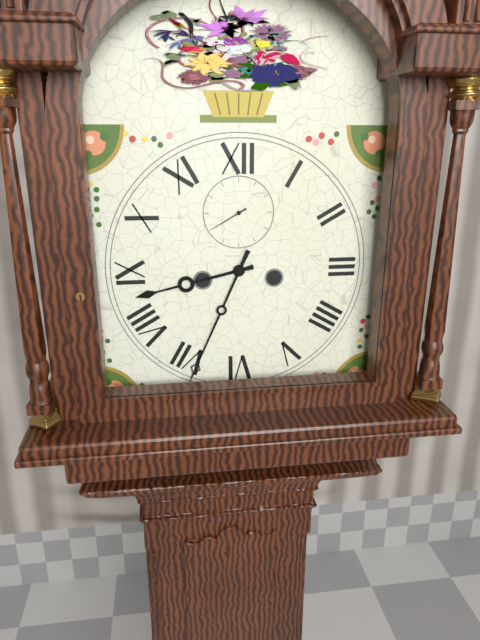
8 h 34 min
